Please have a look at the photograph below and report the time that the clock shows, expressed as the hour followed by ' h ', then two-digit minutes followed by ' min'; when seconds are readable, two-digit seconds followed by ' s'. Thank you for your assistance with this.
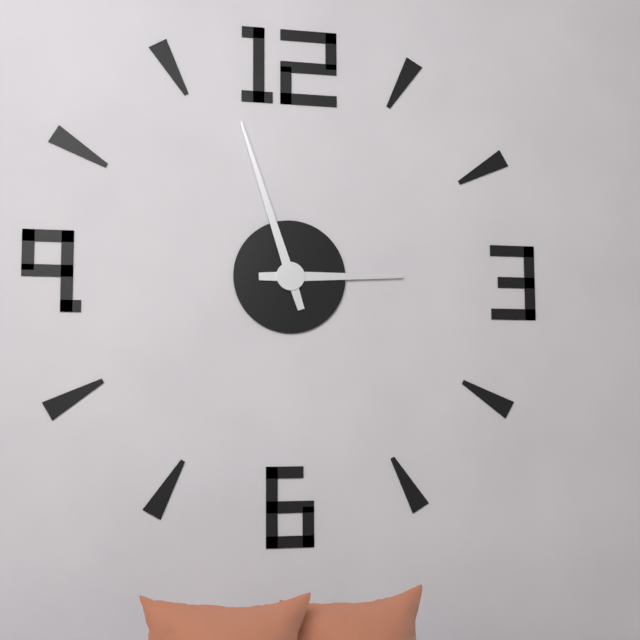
2 h 57 min
